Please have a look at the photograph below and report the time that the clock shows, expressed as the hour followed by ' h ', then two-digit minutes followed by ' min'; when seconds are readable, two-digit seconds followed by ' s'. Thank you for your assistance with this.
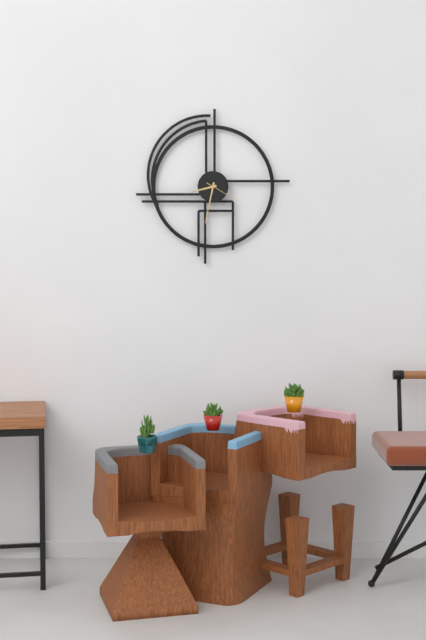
8 h 32 min
